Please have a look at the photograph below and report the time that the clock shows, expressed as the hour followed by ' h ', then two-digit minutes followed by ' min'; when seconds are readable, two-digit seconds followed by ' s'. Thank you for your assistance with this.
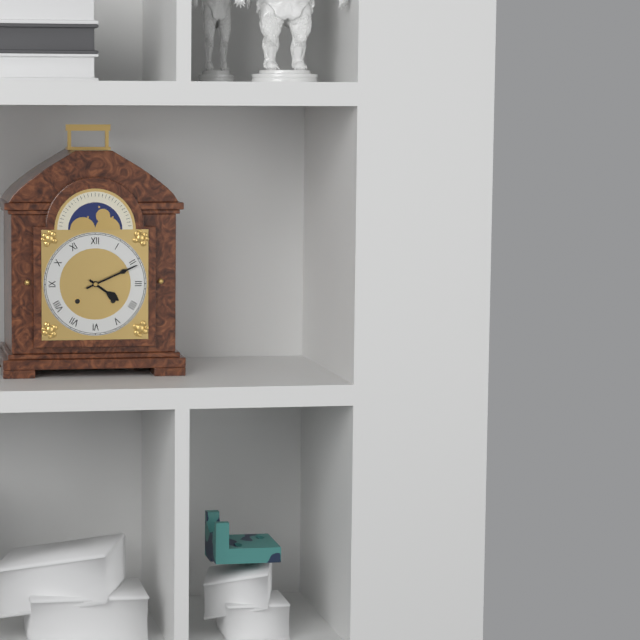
4 h 11 min
